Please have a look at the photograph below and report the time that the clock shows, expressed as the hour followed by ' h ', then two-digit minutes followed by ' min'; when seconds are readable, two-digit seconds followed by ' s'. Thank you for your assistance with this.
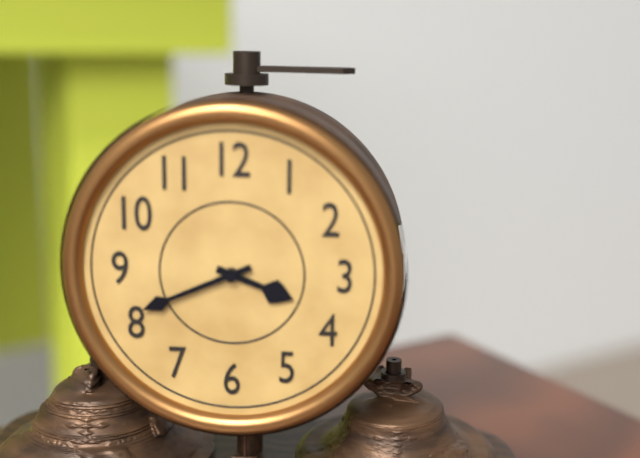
3 h 41 min
